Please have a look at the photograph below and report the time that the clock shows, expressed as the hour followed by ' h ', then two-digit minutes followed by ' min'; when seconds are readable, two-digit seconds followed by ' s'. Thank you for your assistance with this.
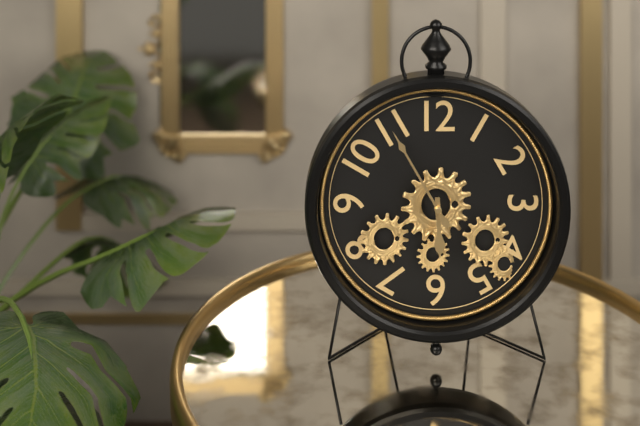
5 h 55 min
